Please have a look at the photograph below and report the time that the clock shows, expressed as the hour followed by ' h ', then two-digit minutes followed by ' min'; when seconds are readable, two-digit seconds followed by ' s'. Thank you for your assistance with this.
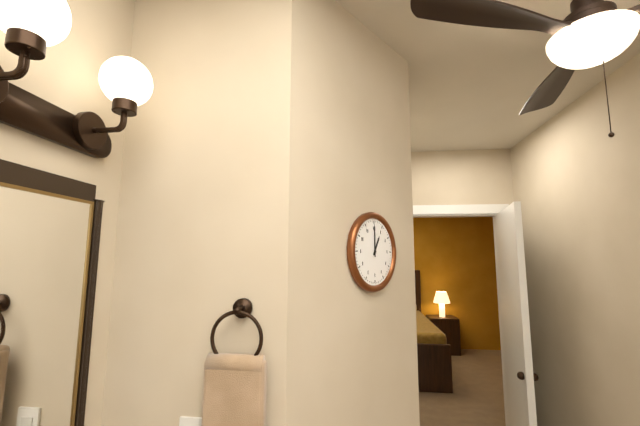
1 h 00 min
